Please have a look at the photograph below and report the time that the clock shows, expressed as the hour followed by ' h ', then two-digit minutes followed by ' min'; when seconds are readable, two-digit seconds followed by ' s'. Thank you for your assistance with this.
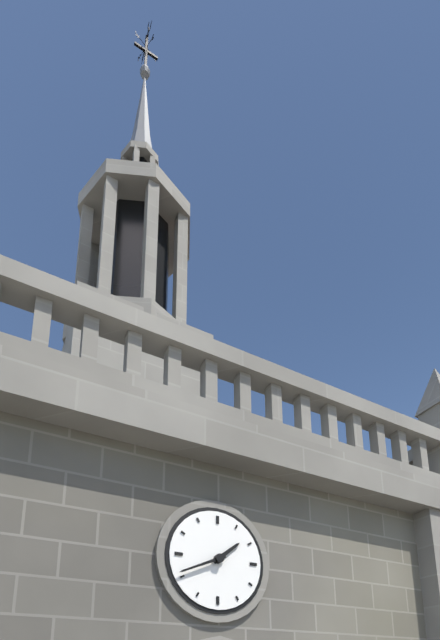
1 h 41 min
